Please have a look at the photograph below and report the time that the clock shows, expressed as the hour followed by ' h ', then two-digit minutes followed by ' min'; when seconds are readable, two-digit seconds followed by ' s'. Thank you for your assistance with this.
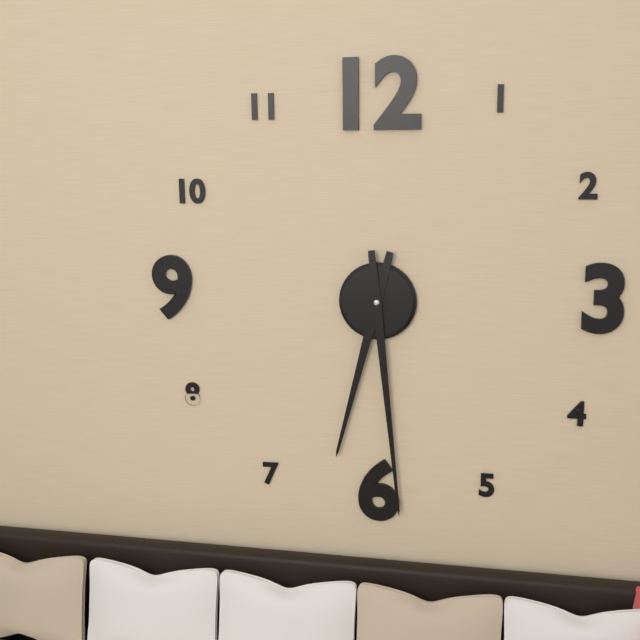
6 h 29 min
